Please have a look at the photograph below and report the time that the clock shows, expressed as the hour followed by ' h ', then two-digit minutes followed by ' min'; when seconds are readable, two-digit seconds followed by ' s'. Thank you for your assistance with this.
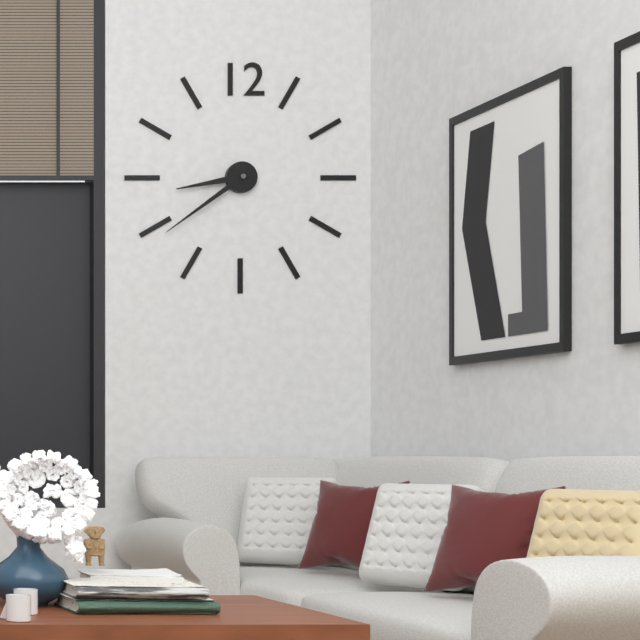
8 h 39 min
